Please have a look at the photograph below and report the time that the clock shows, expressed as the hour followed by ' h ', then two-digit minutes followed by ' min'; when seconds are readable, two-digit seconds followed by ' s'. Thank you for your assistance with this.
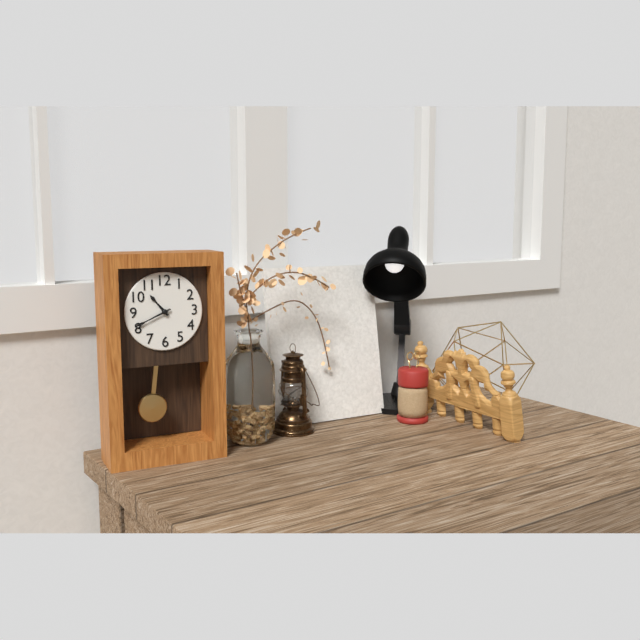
10 h 41 min
